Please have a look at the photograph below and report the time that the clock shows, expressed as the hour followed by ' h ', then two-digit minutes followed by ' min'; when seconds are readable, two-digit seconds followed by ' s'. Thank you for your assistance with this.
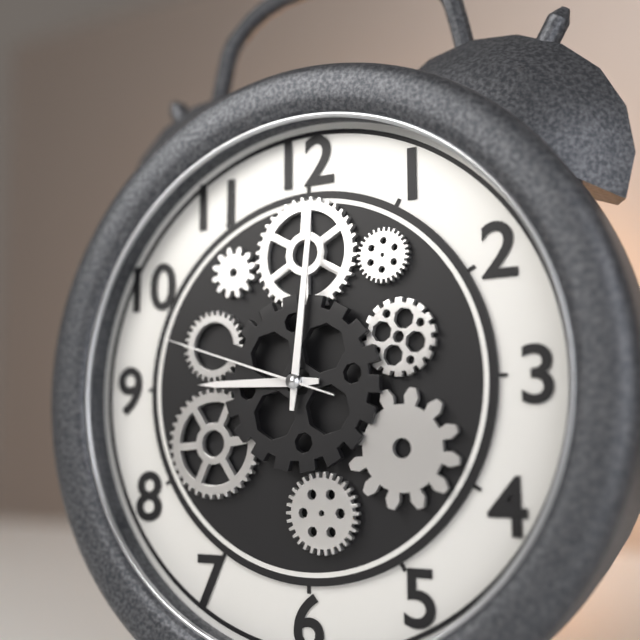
9 h 01 min 48 s
